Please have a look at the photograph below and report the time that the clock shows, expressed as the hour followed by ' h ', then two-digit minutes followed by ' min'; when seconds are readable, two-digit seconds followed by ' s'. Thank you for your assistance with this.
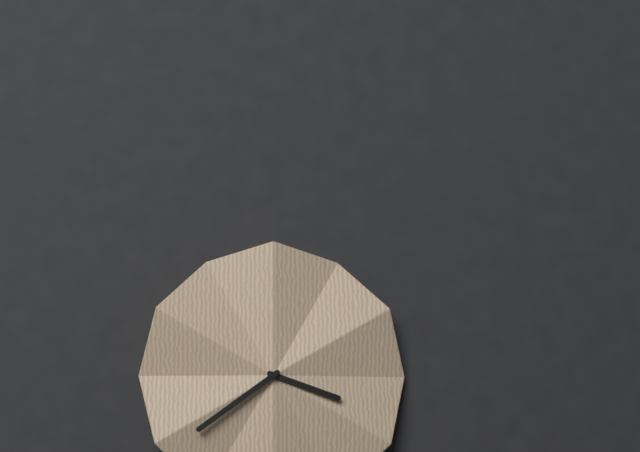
3 h 39 min
